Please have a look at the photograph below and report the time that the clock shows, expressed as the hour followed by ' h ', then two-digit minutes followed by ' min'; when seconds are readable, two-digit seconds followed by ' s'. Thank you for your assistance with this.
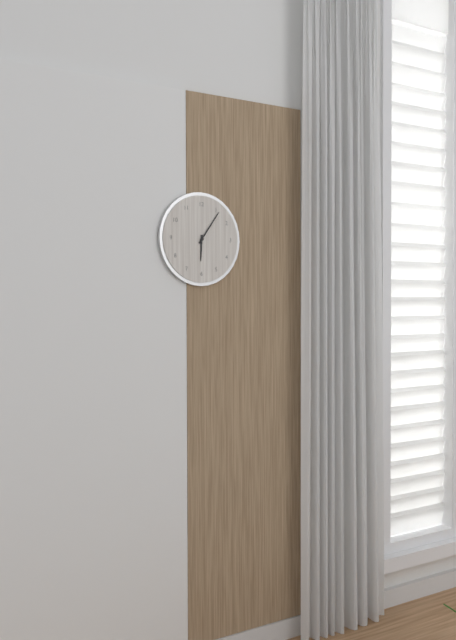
6 h 06 min
